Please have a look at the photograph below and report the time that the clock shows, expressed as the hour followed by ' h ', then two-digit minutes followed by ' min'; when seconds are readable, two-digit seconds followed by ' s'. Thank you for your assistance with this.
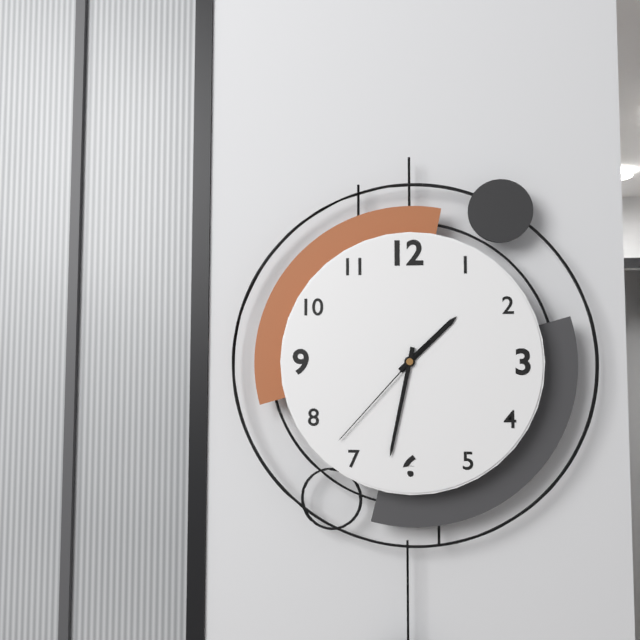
1 h 32 min 37 s
